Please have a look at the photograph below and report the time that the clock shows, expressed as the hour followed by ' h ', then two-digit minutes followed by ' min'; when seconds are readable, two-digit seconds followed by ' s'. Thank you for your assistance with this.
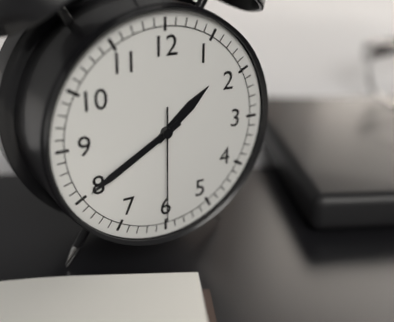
1 h 40 min 30 s
